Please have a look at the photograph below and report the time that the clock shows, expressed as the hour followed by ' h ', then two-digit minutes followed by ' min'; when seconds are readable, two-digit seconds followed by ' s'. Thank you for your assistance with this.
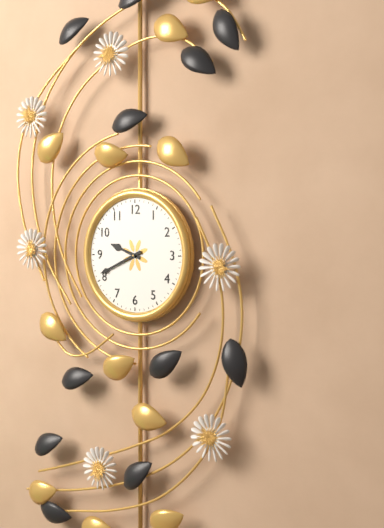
9 h 41 min
